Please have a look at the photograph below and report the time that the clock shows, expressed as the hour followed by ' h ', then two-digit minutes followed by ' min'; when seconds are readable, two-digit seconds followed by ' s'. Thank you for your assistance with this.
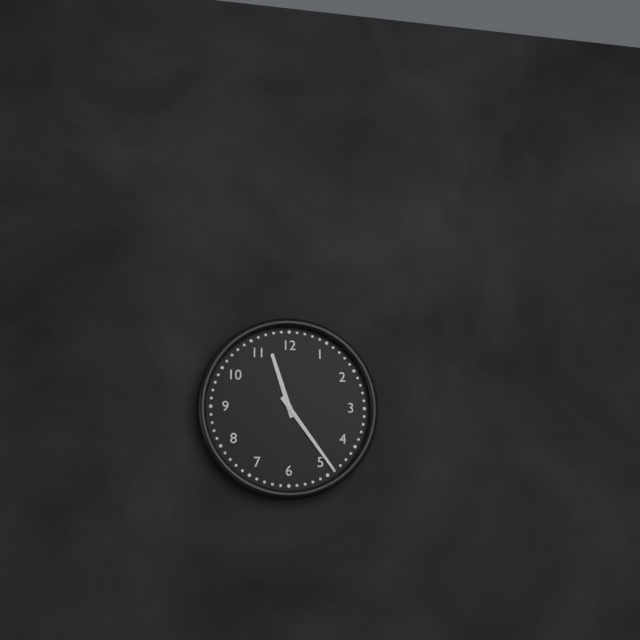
11 h 24 min
